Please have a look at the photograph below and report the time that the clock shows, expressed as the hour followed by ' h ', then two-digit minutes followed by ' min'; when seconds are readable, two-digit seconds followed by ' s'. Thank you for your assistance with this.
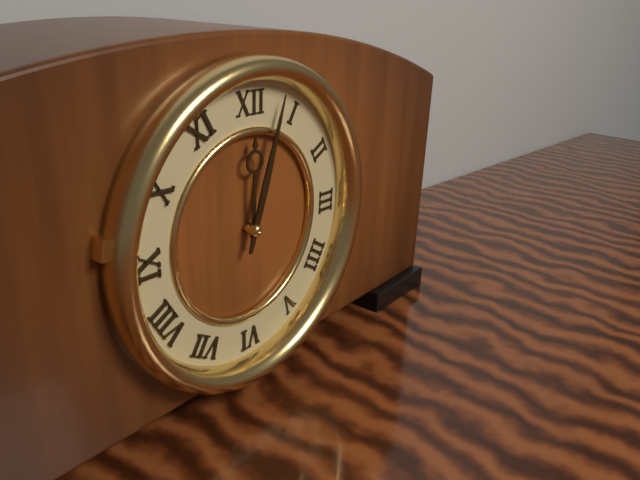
12 h 03 min
